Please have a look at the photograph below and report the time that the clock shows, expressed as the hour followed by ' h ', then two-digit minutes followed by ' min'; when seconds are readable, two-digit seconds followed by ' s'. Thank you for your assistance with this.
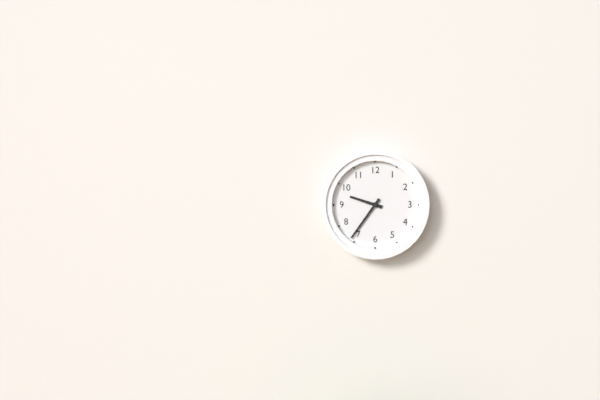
9 h 36 min
